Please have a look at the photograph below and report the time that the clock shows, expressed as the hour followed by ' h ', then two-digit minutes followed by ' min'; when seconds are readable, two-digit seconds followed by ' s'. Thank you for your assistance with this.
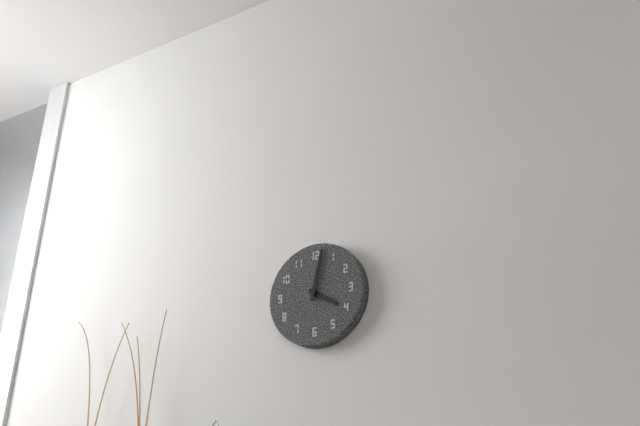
4 h 02 min
